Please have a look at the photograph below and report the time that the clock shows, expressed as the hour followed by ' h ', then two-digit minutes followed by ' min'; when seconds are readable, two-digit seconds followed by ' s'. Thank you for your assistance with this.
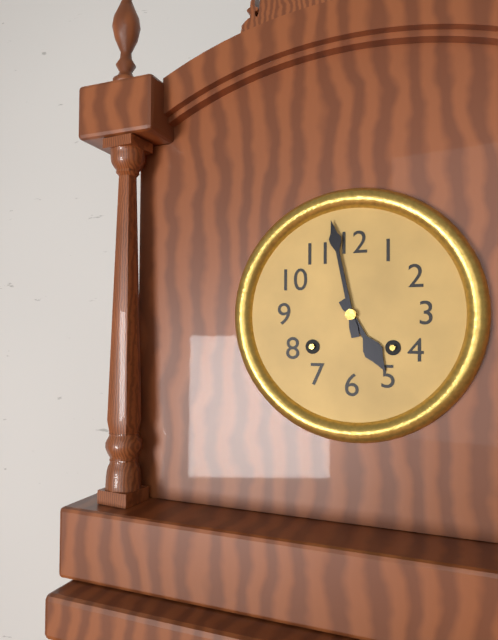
4 h 58 min
